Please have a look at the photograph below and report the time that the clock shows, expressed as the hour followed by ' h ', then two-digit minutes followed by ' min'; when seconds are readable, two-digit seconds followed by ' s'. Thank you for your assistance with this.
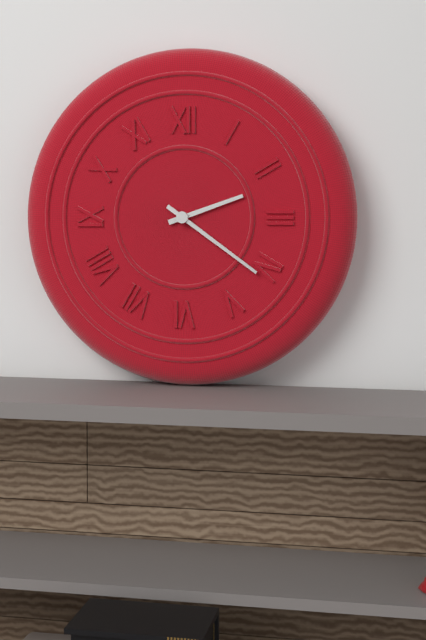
2 h 21 min
